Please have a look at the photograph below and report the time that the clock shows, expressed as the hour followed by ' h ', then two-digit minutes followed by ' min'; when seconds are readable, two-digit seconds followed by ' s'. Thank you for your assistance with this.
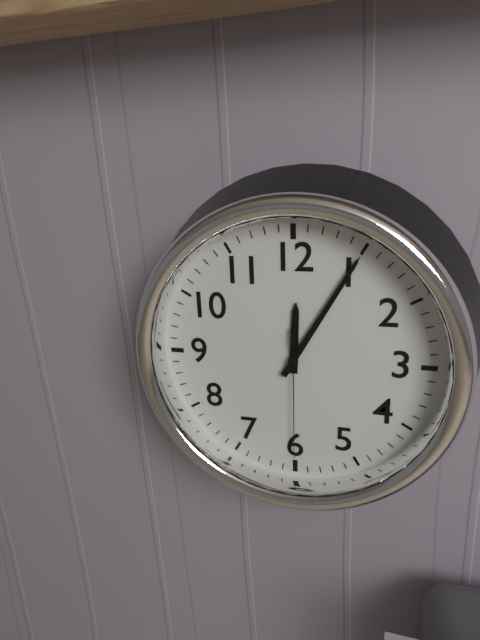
12 h 05 min 30 s
